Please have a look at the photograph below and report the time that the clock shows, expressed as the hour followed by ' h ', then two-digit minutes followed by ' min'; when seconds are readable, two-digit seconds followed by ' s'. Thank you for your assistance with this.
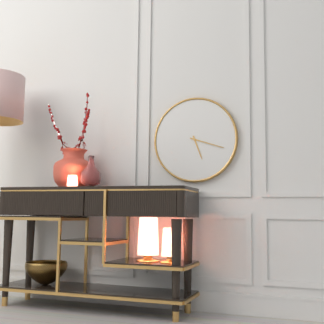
5 h 18 min
